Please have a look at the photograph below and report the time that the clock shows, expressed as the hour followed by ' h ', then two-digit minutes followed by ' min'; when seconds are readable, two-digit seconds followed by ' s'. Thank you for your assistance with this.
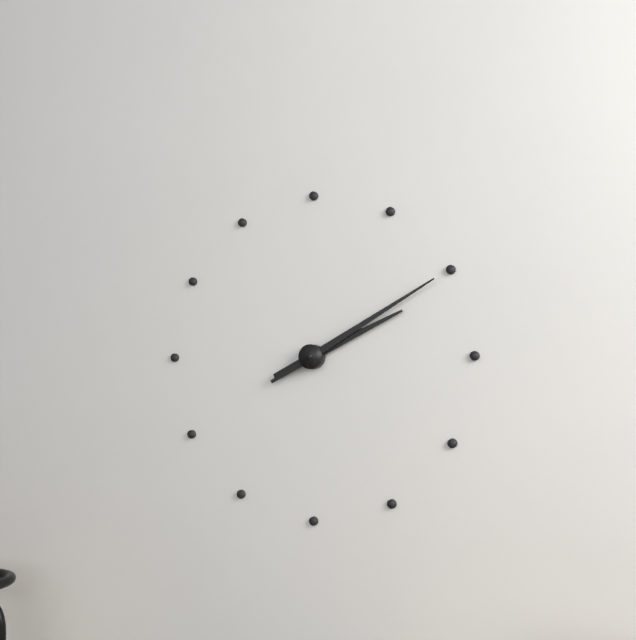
2 h 10 min
